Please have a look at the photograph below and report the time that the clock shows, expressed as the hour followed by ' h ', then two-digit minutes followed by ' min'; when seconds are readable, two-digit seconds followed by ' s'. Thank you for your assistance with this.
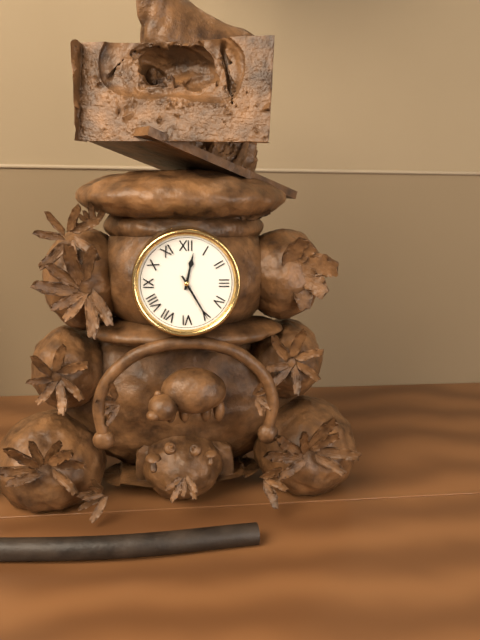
12 h 25 min
